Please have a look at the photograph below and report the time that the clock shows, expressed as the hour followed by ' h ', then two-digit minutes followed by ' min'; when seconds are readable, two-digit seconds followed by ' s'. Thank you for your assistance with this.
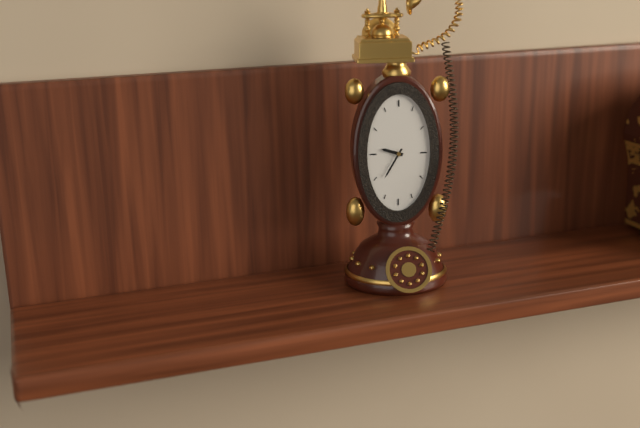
9 h 35 min
